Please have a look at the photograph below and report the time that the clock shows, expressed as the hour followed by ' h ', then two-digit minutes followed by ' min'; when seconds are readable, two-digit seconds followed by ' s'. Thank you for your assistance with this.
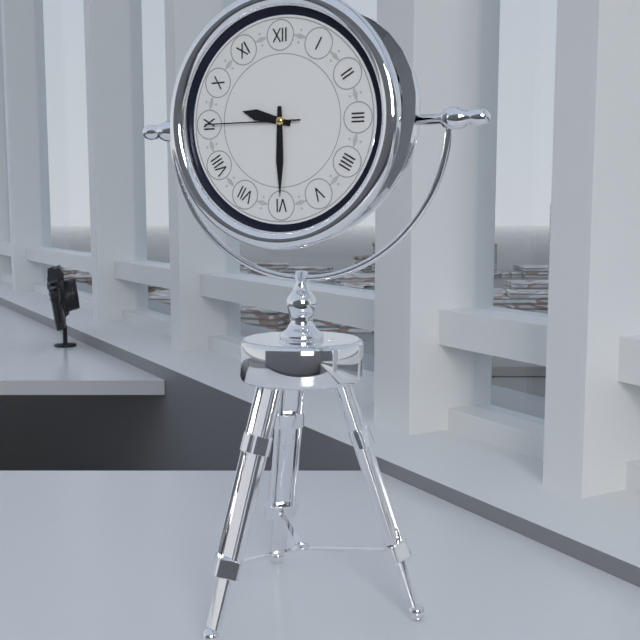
9 h 30 min 45 s
